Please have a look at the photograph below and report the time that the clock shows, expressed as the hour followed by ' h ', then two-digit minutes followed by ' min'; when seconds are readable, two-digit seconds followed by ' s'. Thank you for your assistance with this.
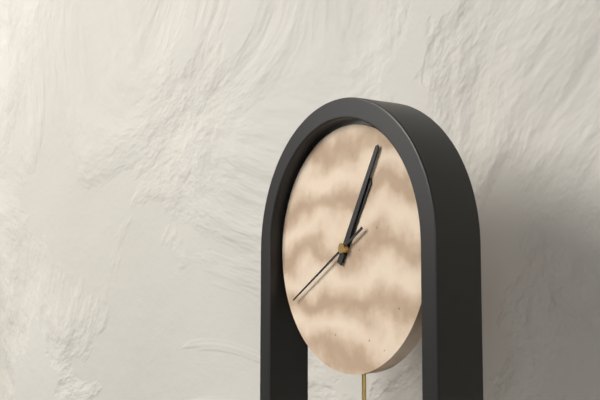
1 h 05 min 40 s
